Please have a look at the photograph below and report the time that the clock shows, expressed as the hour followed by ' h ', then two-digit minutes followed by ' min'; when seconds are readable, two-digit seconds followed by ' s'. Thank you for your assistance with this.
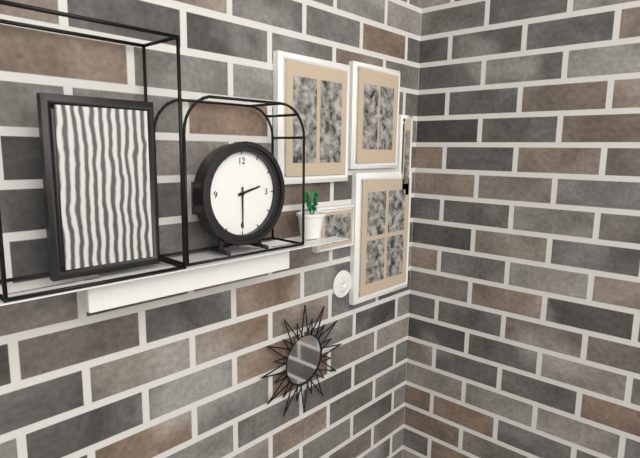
2 h 30 min
